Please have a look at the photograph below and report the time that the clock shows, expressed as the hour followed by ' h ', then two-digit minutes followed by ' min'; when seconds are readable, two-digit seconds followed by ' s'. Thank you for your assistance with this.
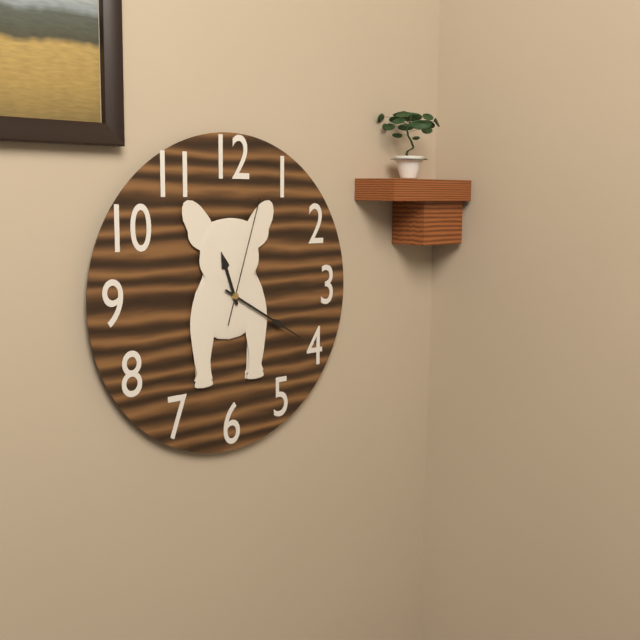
11 h 20 min 03 s
